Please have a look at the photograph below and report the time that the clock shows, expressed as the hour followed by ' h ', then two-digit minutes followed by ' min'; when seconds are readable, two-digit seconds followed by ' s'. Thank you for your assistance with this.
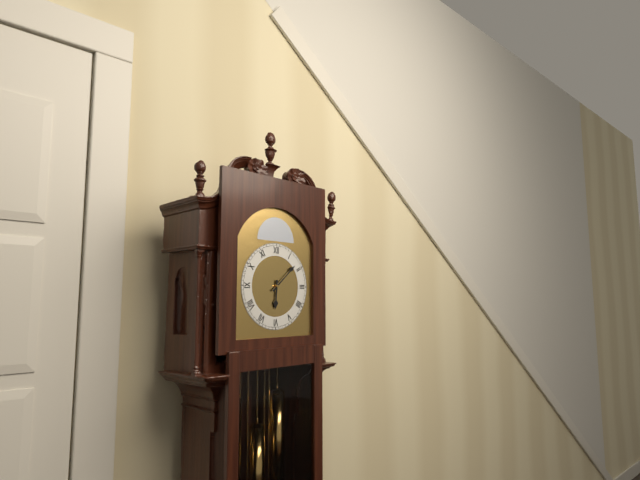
6 h 08 min
